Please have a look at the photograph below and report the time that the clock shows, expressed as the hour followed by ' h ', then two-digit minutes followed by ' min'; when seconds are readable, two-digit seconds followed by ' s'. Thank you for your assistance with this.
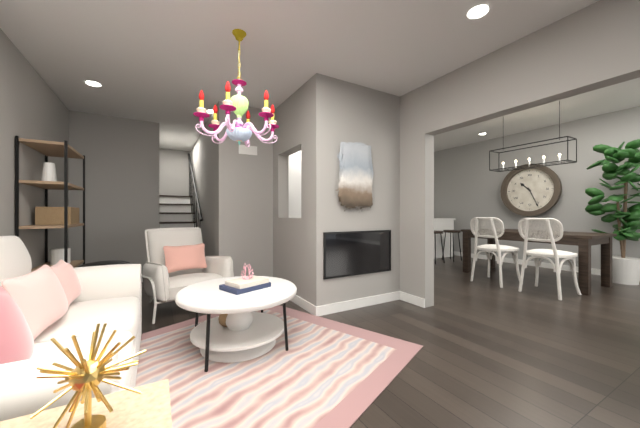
10 h 26 min
